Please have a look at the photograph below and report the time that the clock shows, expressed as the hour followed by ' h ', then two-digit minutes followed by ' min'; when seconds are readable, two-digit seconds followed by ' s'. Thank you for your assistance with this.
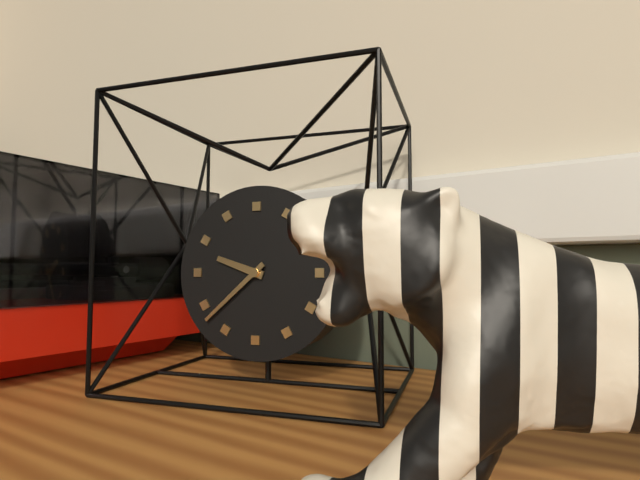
9 h 38 min
